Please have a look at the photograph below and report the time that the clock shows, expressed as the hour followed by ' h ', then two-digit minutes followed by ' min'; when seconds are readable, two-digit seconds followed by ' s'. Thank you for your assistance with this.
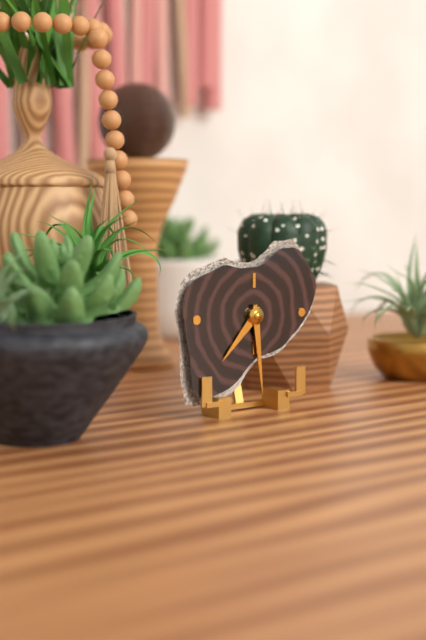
7 h 29 min
